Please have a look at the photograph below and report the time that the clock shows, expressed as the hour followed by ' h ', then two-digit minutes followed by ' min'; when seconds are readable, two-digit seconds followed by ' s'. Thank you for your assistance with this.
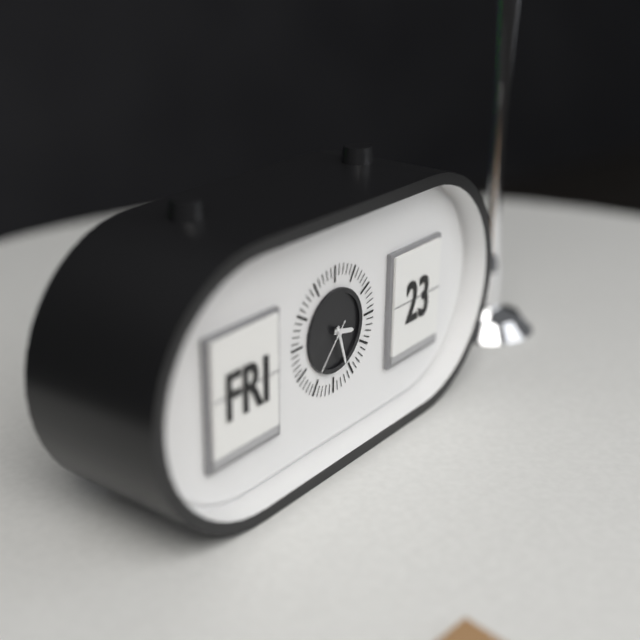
3 h 27 min 37 s
